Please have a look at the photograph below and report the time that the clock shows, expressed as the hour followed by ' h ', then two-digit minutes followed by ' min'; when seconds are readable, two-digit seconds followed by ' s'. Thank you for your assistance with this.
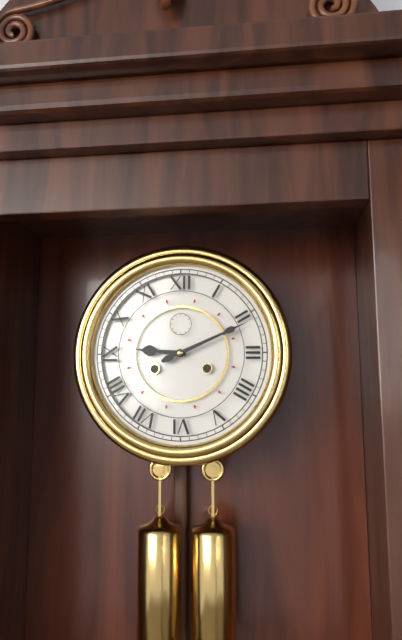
9 h 11 min
